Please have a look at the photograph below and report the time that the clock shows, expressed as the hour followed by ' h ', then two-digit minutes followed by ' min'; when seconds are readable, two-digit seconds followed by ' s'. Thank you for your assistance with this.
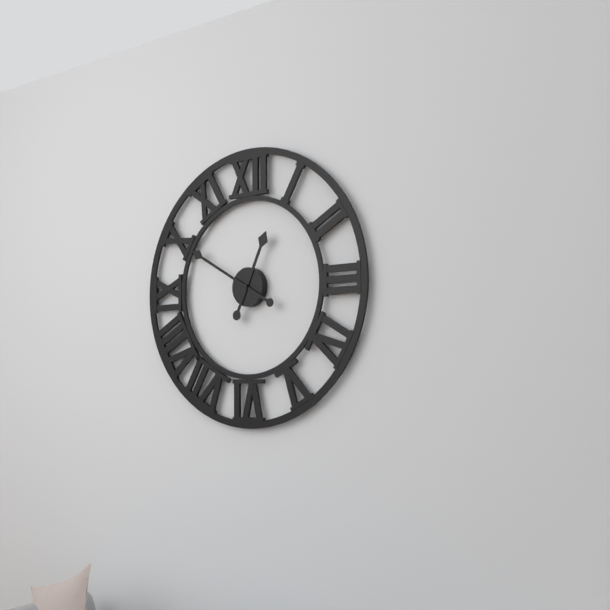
12 h 50 min
